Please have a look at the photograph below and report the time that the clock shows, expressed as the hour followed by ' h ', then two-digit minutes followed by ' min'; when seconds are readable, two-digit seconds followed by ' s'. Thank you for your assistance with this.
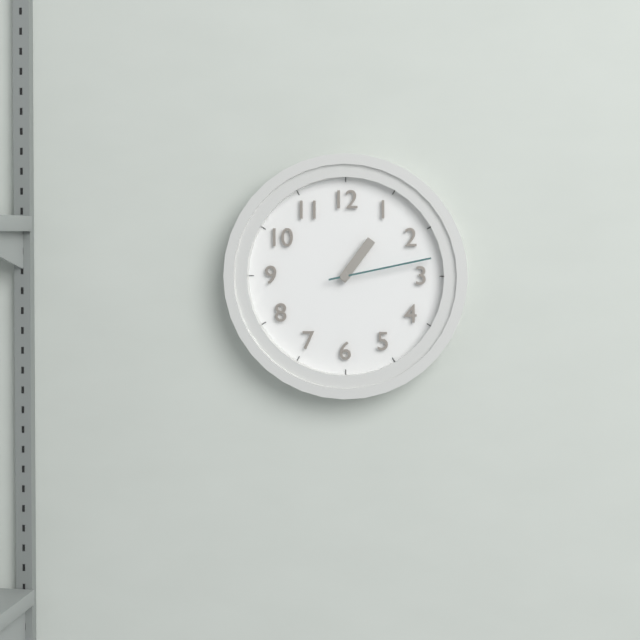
1 h 13 min
